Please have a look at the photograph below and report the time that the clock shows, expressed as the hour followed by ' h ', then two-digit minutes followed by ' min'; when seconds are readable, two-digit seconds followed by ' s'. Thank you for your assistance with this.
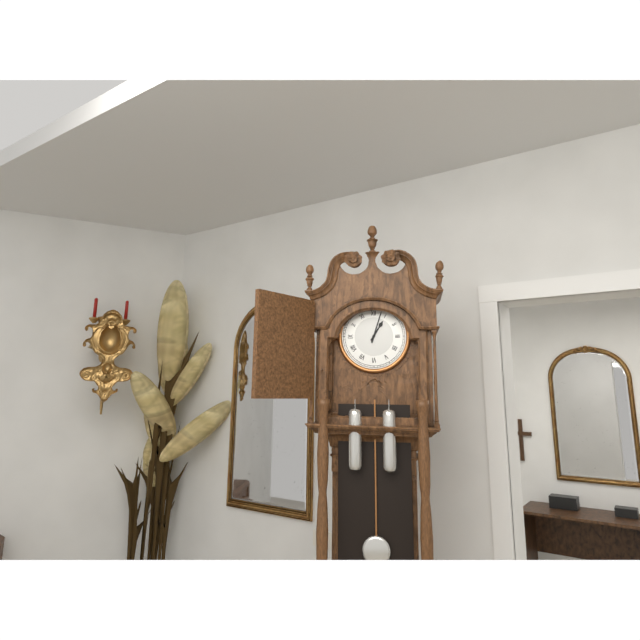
1 h 03 min
